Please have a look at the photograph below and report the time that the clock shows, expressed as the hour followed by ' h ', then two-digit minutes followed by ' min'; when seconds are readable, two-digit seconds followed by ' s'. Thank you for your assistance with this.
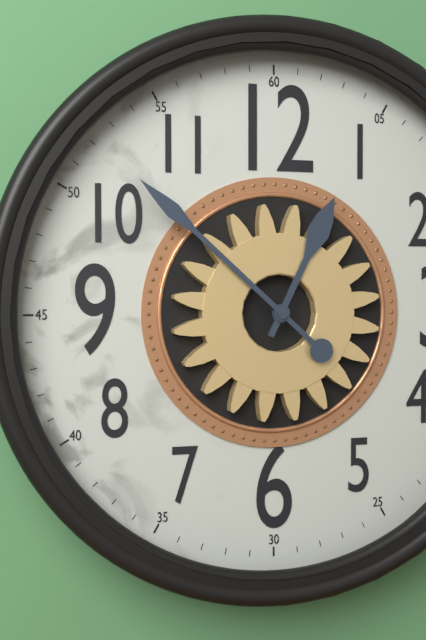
12 h 52 min
